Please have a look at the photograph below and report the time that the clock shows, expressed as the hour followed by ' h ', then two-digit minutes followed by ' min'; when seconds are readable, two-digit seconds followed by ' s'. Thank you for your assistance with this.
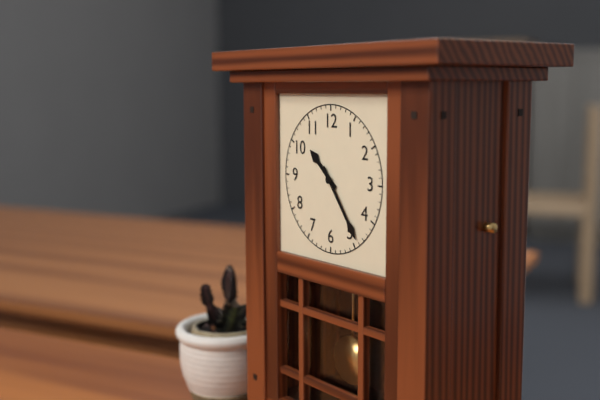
10 h 24 min
